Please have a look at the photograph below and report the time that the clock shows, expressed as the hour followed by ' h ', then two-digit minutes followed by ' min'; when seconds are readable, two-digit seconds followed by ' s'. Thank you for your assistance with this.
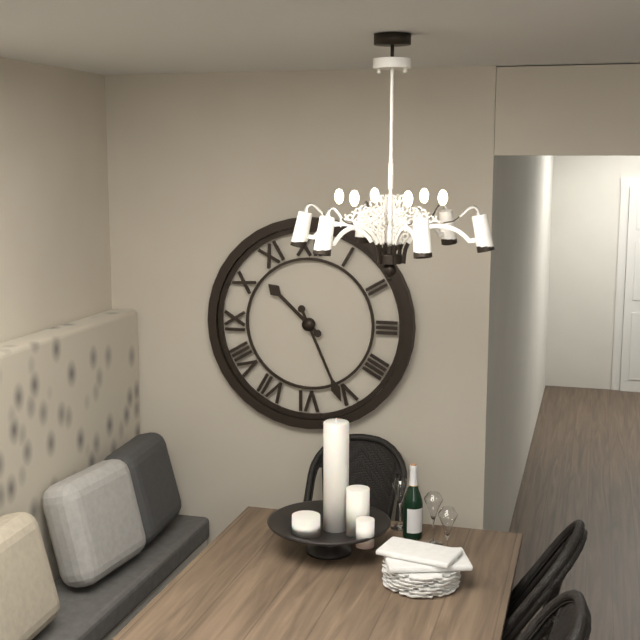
10 h 26 min
